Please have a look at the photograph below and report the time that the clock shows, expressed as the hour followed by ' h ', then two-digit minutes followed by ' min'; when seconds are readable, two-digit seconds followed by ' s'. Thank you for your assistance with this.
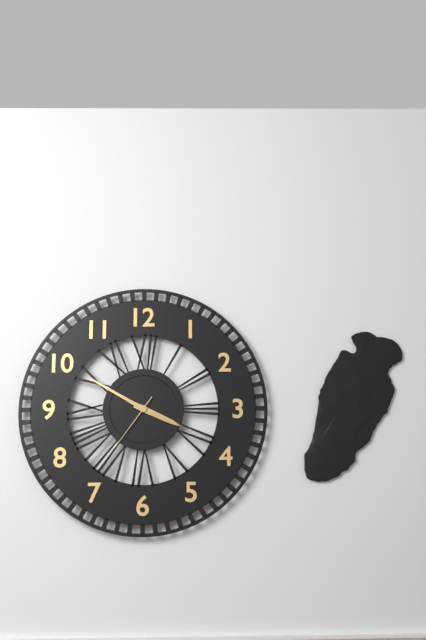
3 h 50 min 36 s
